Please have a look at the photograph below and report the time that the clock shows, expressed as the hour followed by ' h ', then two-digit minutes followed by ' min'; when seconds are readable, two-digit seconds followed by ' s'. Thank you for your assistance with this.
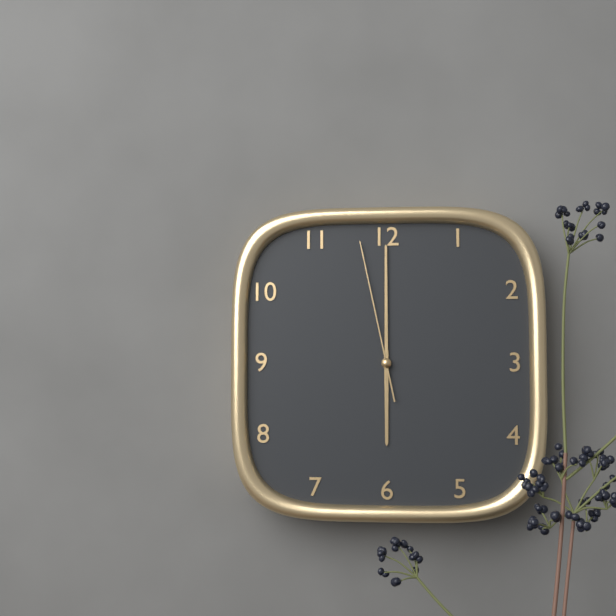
6 h 00 min 58 s
